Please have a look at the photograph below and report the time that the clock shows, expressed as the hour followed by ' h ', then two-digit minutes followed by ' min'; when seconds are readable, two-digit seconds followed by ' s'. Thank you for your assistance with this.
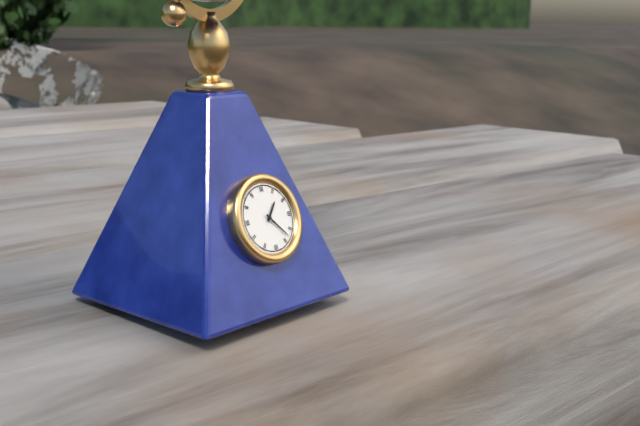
1 h 23 min
